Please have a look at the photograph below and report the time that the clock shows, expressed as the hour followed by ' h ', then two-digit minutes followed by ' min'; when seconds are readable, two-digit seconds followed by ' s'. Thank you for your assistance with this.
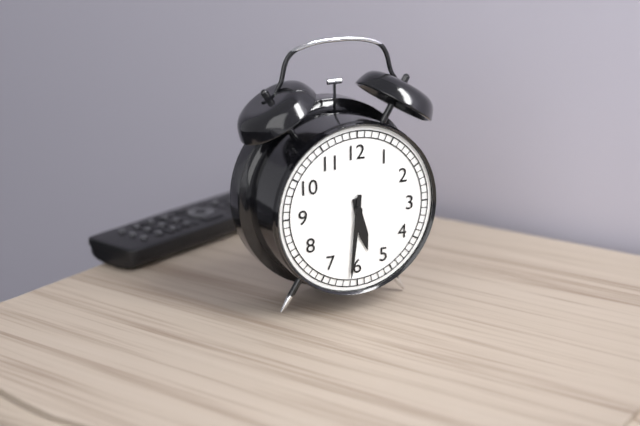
5 h 31 min
